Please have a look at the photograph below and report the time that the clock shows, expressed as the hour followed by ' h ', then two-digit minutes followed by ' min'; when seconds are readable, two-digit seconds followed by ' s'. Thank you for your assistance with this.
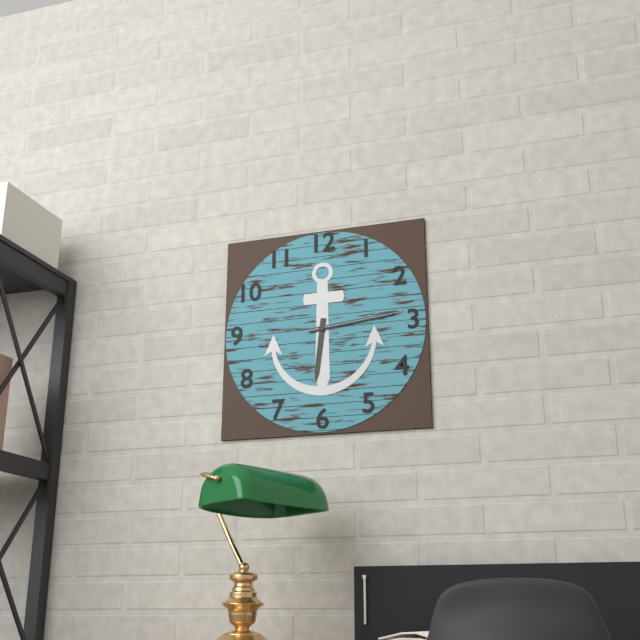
6 h 14 min 14 s
